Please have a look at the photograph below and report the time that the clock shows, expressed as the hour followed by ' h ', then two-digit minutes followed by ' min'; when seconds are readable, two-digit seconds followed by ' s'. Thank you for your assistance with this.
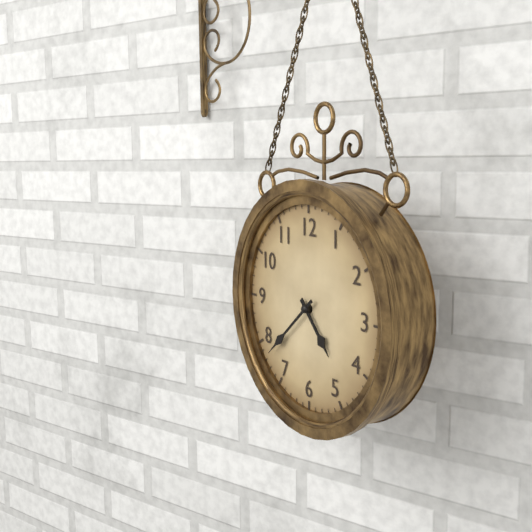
4 h 38 min
